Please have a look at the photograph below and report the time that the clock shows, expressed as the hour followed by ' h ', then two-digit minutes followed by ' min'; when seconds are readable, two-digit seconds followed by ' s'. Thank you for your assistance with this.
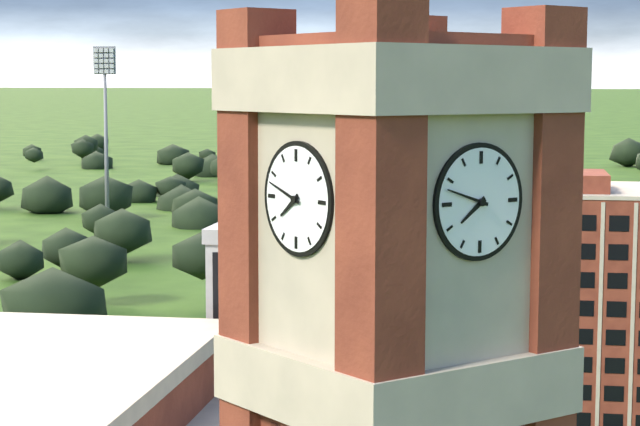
7 h 48 min
